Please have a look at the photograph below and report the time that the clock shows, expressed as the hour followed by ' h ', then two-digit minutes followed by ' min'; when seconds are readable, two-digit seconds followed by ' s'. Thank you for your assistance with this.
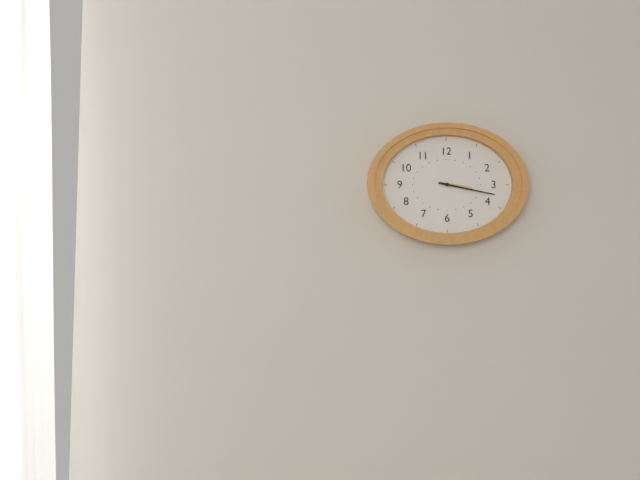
3 h 17 min
